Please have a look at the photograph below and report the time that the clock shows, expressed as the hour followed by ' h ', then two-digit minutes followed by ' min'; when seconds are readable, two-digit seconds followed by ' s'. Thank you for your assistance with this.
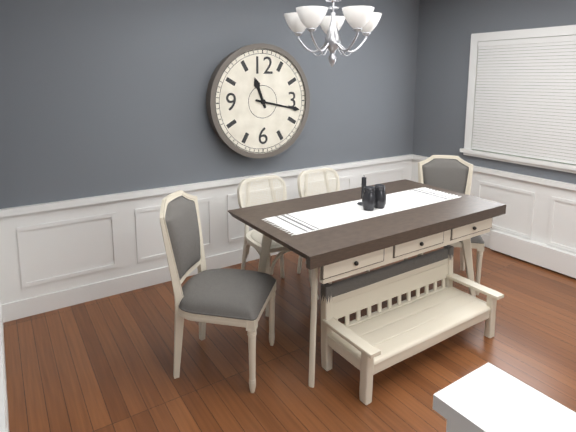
11 h 17 min
